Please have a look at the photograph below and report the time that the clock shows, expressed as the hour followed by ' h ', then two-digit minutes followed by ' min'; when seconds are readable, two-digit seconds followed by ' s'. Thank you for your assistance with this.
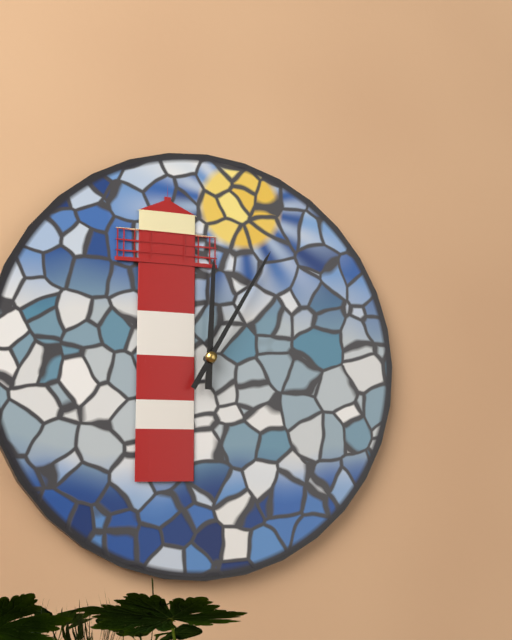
12 h 05 min
